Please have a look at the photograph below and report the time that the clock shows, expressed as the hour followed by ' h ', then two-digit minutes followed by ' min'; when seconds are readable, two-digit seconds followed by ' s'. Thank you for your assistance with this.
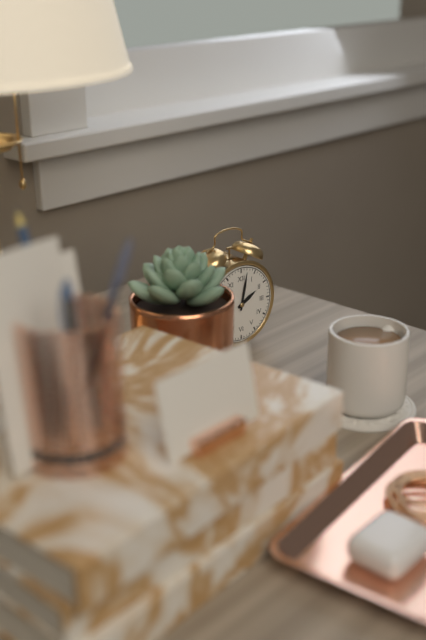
2 h 02 min
